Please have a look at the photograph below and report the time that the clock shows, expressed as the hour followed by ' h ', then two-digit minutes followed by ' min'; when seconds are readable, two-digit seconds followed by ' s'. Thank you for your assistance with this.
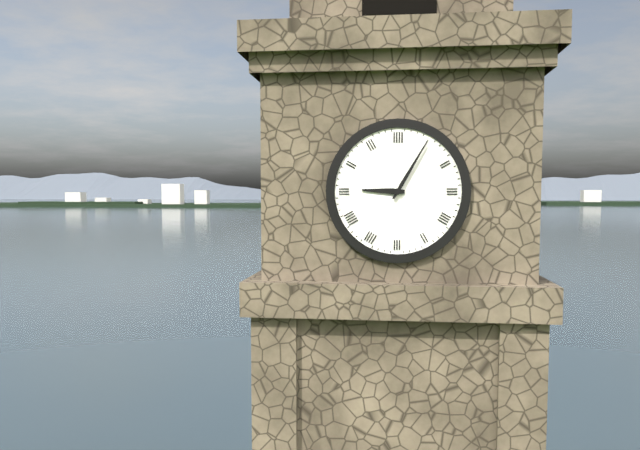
9 h 05 min
